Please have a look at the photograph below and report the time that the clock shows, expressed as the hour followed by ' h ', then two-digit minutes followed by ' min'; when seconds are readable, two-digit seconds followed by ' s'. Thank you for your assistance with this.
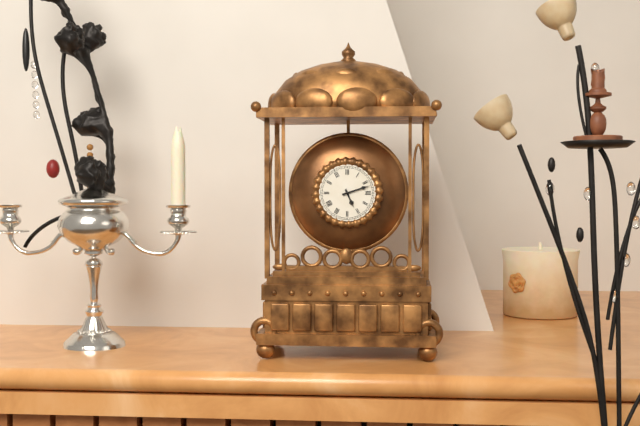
5 h 12 min
